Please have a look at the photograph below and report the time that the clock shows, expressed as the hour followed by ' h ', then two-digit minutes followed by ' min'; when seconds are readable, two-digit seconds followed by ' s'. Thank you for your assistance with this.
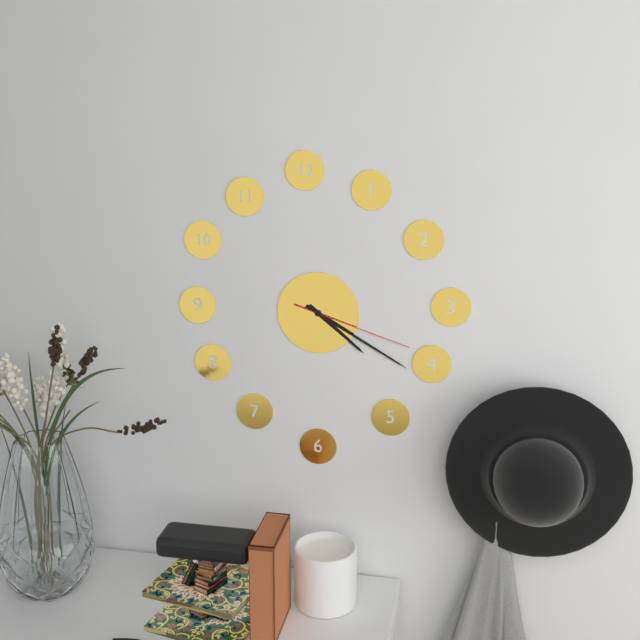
4 h 20 min 18 s
